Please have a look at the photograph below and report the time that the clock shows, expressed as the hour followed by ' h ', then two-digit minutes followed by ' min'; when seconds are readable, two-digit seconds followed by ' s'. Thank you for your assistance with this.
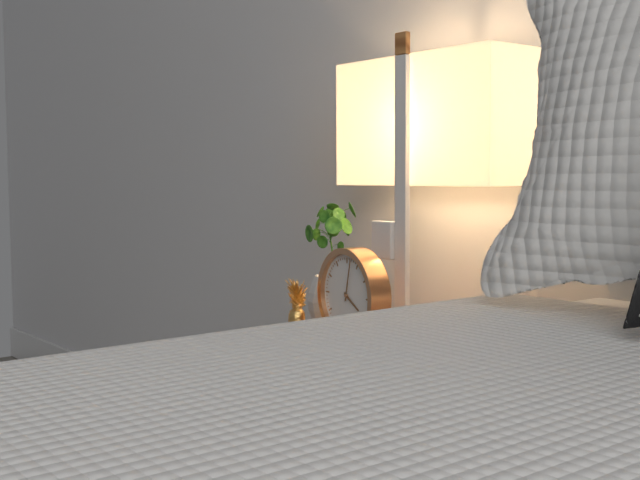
4 h 02 min
